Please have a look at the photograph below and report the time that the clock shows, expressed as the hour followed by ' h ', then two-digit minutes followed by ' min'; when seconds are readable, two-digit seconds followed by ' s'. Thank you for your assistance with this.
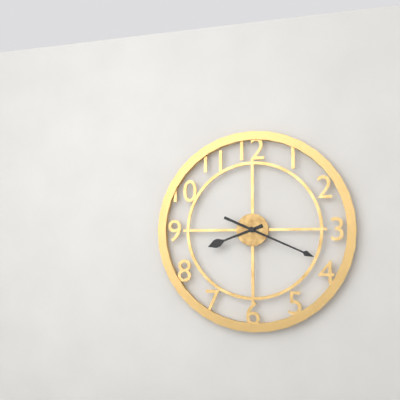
8 h 19 min
